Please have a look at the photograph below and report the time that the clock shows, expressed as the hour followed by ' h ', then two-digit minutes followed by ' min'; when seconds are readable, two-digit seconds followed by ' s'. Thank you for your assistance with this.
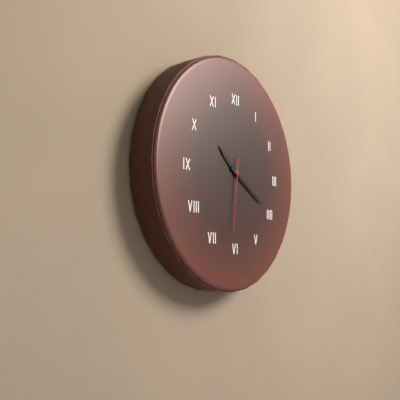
10 h 20 min 31 s
